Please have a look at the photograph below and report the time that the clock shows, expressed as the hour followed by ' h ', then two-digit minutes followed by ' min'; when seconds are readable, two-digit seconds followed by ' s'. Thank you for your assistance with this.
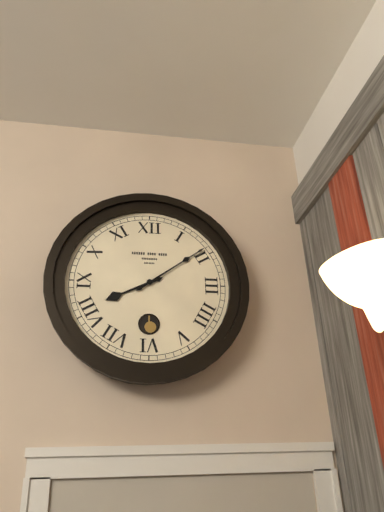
8 h 09 min
